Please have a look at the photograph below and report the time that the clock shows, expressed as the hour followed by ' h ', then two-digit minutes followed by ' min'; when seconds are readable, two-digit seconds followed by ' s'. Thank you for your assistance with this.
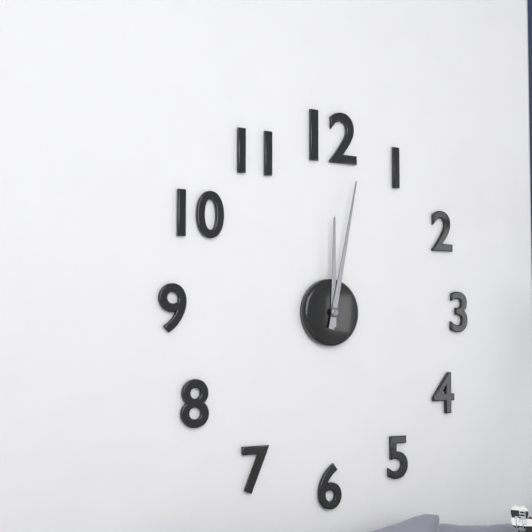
12 h 02 min
